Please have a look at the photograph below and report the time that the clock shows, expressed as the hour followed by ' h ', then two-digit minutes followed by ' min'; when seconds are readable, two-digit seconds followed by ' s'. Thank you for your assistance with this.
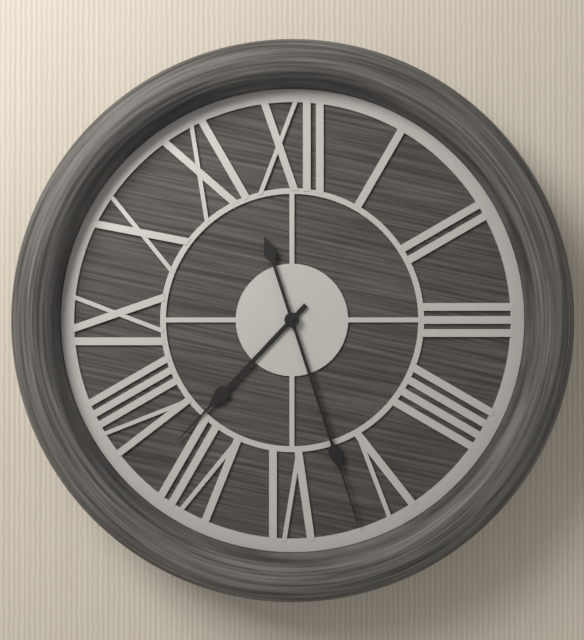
7 h 27 min
